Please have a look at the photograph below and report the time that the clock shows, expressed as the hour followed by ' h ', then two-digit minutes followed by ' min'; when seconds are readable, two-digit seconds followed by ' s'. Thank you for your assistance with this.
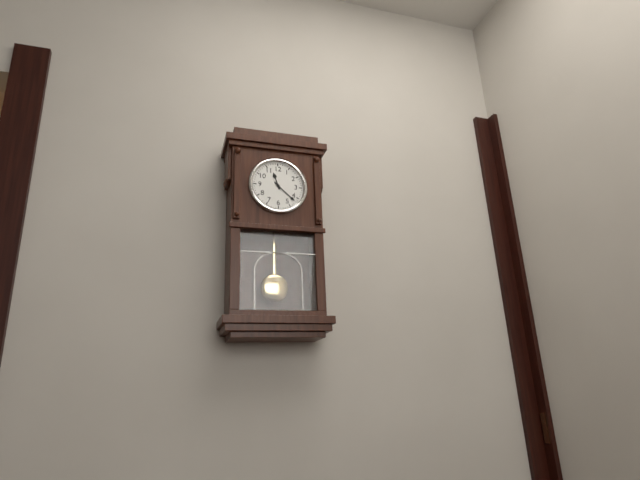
11 h 22 min
